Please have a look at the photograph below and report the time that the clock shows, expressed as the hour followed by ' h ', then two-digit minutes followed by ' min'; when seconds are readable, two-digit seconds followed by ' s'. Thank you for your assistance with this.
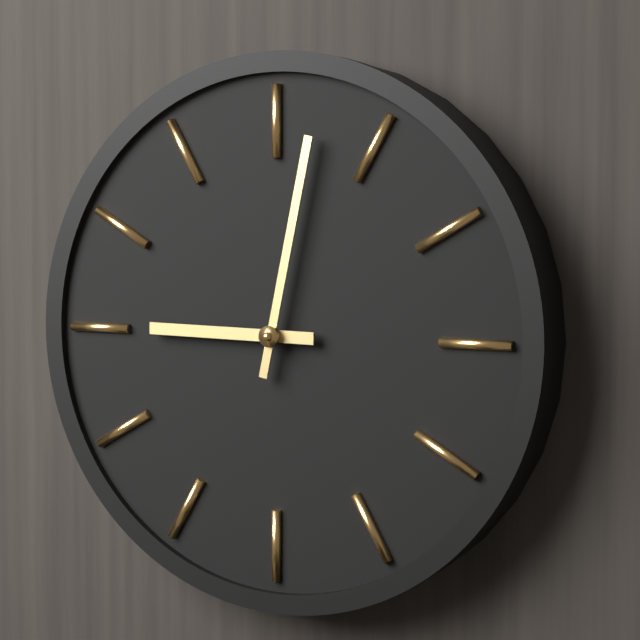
9 h 02 min
